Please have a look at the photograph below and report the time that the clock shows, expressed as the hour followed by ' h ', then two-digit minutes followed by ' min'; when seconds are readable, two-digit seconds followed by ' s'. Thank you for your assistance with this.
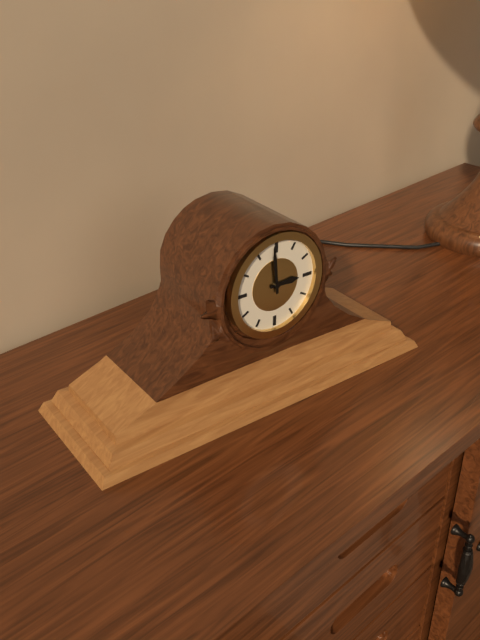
2 h 59 min
